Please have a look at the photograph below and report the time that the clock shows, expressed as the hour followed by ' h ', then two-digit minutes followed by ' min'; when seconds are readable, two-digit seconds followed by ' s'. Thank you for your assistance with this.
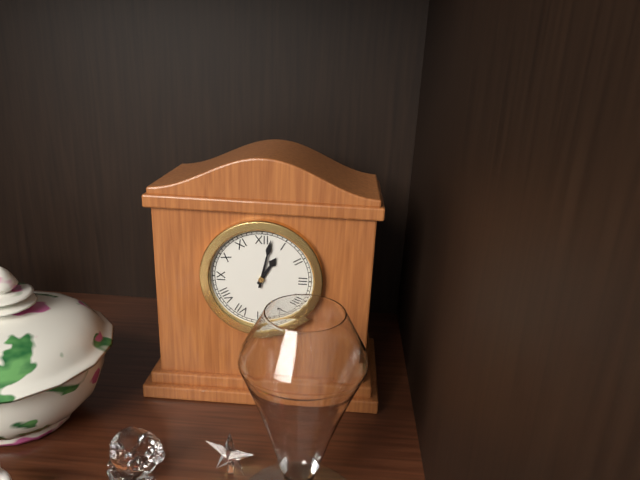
1 h 02 min
